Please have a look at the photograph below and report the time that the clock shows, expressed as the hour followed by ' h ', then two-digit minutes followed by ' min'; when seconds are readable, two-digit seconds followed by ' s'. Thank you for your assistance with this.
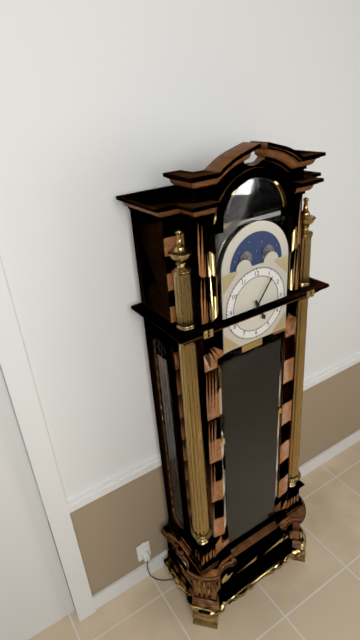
5 h 06 min
